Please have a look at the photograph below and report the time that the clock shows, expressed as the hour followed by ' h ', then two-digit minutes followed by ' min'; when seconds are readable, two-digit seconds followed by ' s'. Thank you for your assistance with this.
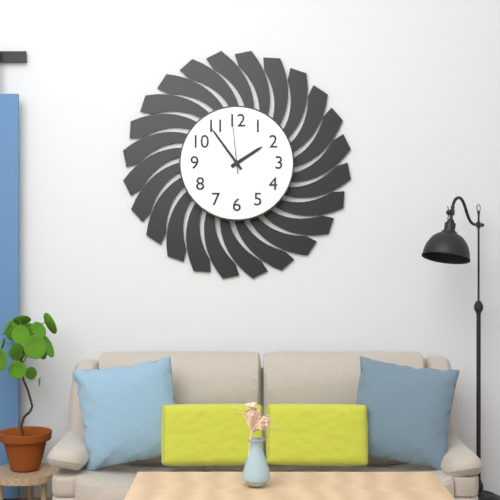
1 h 54 min 59 s
